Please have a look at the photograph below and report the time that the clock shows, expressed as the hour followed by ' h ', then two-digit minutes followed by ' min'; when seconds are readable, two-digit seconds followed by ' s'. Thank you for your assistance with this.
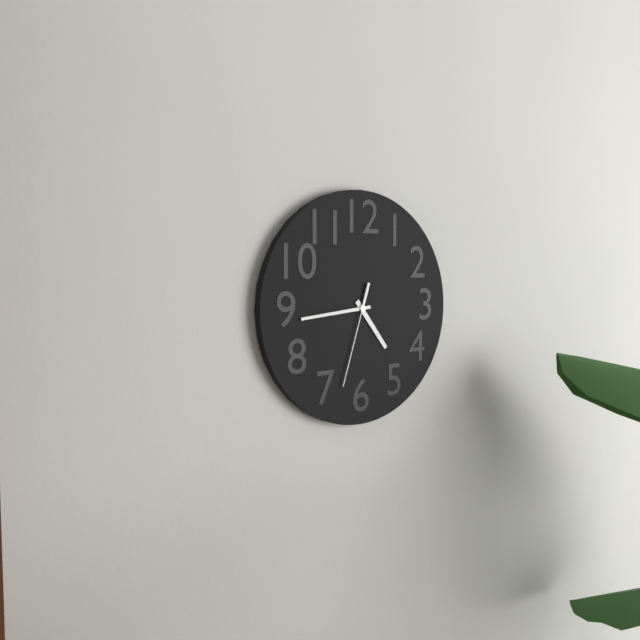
4 h 44 min 33 s
